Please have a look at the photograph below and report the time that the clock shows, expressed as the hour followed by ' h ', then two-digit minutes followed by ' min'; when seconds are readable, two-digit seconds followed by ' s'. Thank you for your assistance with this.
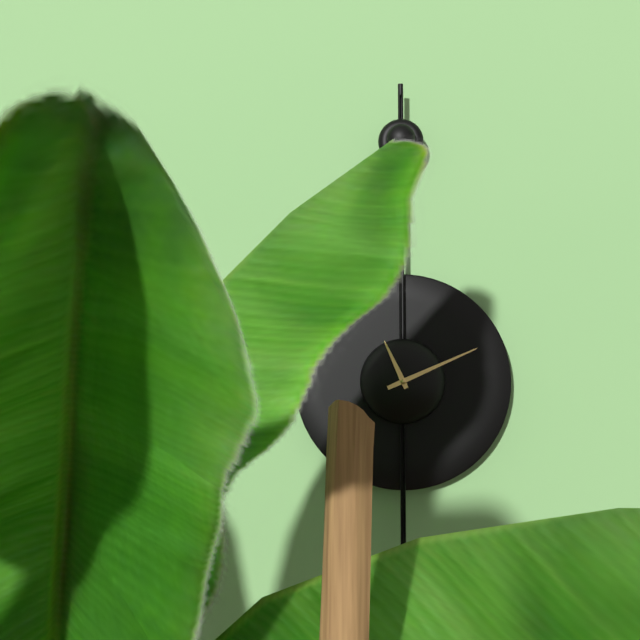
11 h 11 min
